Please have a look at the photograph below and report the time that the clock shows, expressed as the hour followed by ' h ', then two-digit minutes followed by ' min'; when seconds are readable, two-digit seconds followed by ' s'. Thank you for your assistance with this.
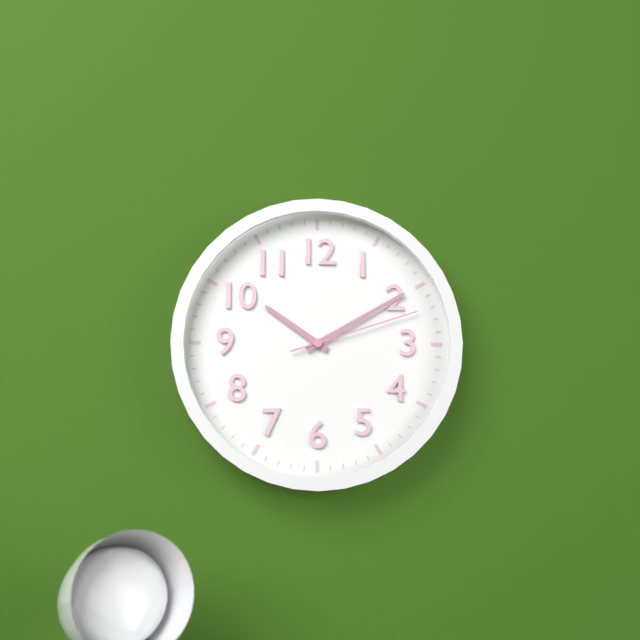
10 h 10 min 12 s
